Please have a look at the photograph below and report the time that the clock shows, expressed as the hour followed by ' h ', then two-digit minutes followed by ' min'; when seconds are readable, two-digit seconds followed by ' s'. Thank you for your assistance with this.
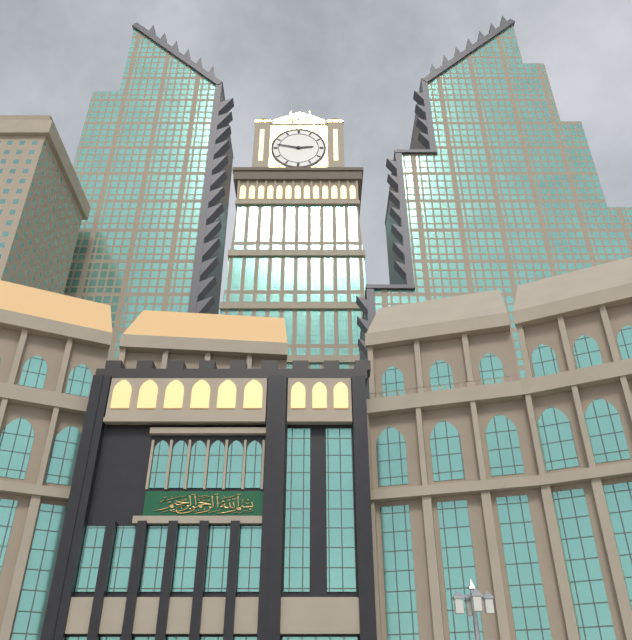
2 h 47 min
